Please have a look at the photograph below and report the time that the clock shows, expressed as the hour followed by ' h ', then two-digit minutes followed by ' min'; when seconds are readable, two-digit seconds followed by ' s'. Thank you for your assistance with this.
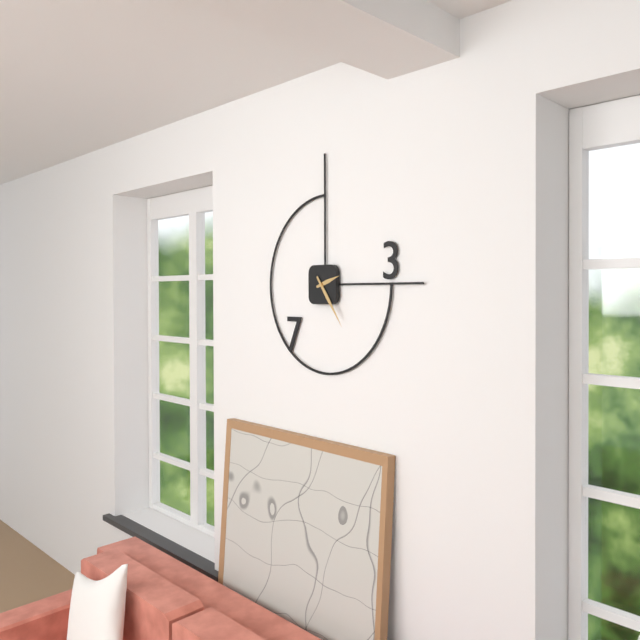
2 h 24 min
